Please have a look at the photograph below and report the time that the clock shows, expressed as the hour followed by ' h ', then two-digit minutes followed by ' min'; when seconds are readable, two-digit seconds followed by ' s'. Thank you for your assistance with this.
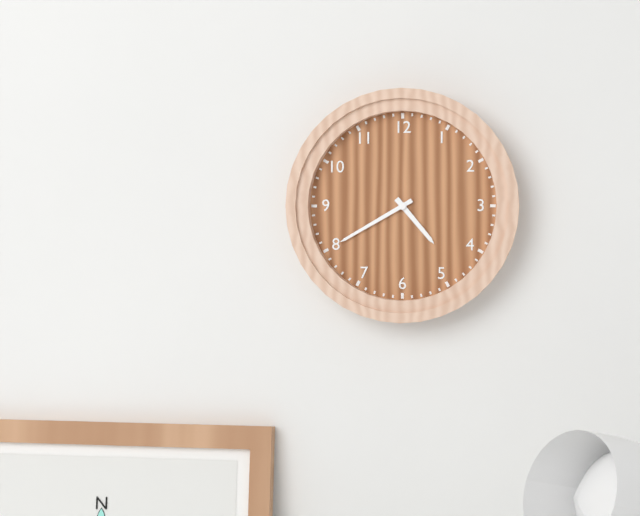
4 h 40 min
